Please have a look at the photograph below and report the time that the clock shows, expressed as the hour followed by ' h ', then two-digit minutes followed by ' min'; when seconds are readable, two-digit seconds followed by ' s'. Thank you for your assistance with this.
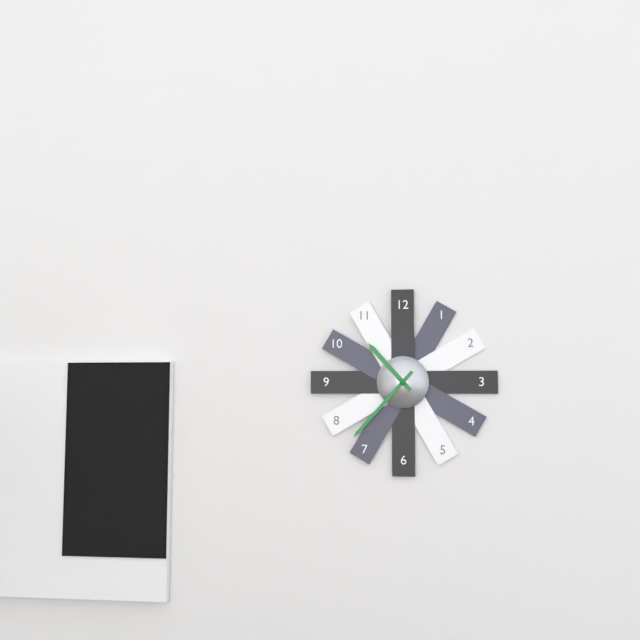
10 h 37 min
